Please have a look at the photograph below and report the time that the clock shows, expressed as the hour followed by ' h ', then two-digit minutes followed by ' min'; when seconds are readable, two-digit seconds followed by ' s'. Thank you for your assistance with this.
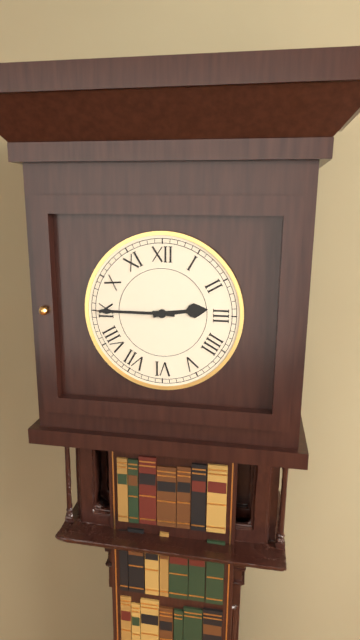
2 h 45 min
